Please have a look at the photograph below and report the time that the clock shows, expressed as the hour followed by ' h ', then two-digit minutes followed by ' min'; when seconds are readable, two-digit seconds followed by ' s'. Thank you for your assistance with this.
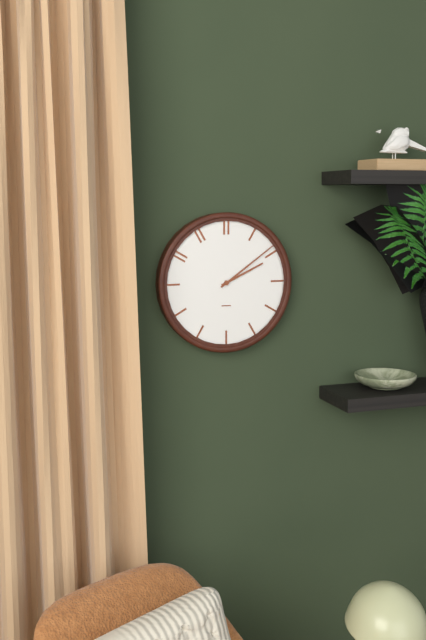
2 h 09 min
